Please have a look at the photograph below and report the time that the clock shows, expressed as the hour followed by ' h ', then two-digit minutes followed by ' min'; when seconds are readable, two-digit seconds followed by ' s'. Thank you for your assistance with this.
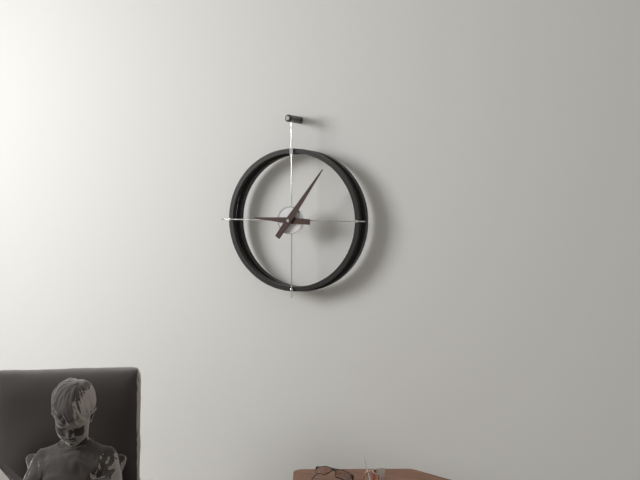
9 h 06 min
